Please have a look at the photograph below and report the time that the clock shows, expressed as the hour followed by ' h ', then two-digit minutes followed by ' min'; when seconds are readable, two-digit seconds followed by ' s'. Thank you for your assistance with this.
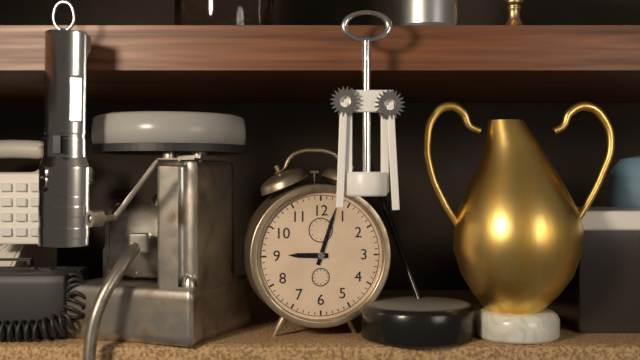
9 h 03 min
